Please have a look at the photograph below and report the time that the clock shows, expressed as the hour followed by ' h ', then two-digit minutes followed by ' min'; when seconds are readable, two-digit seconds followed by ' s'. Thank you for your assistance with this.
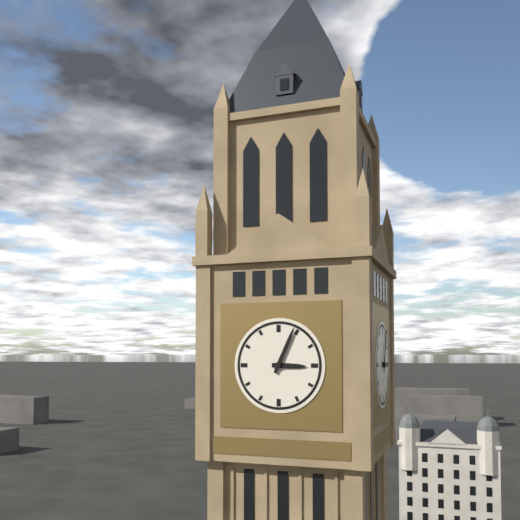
3 h 04 min
